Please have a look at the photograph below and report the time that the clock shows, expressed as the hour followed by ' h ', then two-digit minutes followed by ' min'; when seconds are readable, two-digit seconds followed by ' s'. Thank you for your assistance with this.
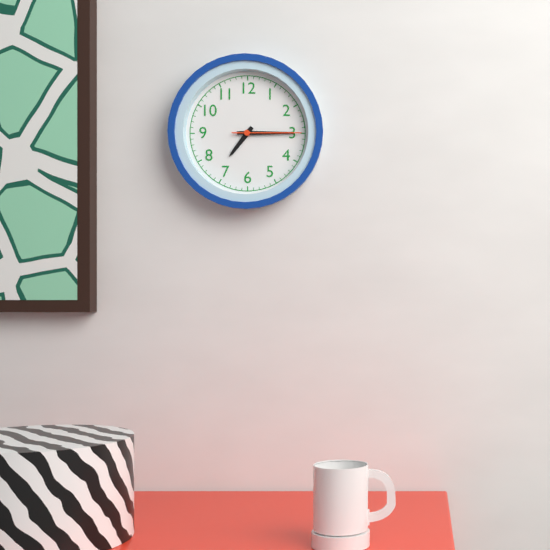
7 h 15 min 15 s
